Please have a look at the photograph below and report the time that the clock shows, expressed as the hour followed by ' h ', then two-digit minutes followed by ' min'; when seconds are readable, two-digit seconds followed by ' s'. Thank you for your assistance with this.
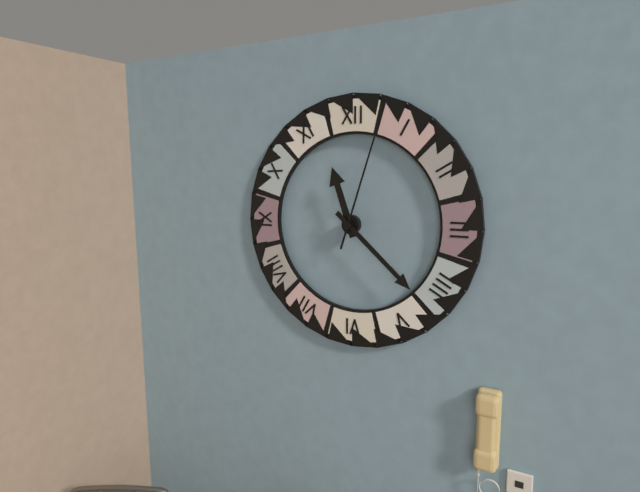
11 h 22 min 03 s
